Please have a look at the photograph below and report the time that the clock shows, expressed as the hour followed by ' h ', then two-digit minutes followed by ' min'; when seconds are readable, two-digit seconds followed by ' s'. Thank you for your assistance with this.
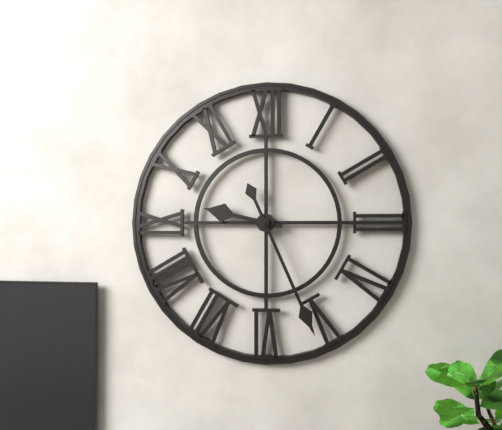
9 h 26 min
